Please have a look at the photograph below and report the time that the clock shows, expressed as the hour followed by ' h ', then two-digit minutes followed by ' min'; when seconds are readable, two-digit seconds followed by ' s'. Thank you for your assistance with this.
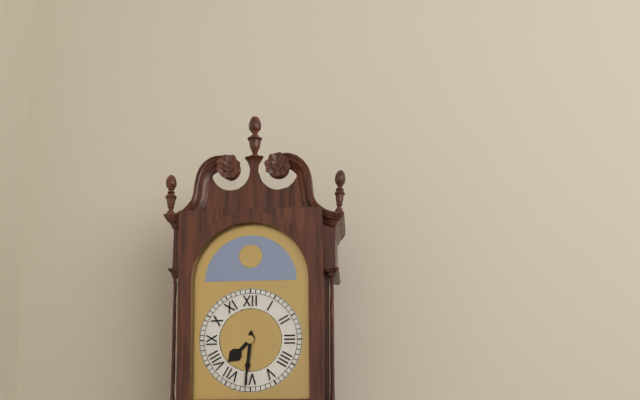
7 h 31 min
